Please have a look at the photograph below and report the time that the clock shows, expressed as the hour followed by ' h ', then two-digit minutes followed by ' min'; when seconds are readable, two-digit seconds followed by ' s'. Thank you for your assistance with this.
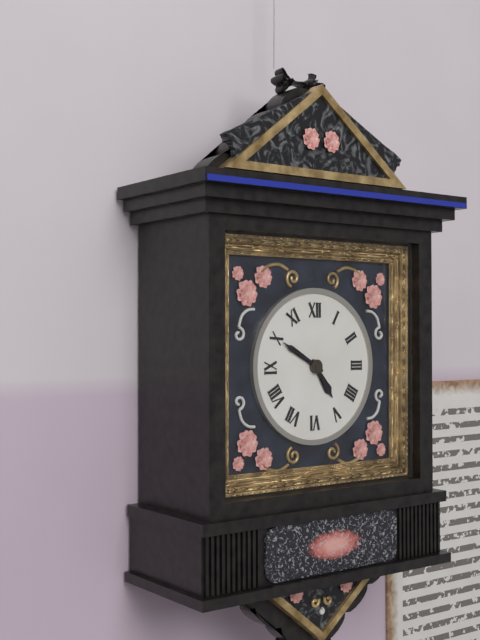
4 h 50 min
